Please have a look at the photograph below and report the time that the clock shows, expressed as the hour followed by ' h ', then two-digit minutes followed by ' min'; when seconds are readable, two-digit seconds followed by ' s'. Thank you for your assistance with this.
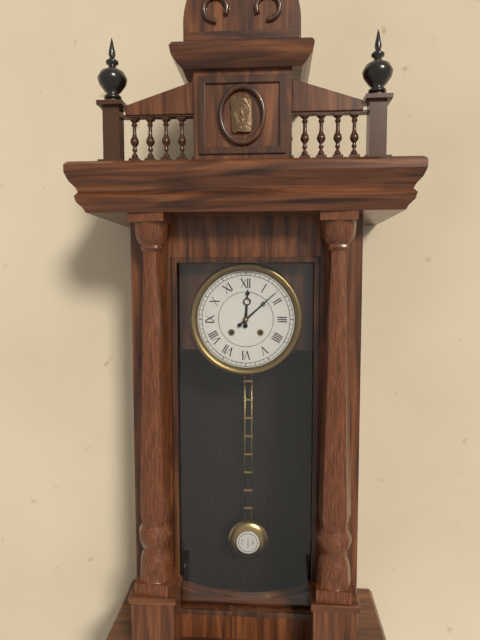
12 h 08 min
